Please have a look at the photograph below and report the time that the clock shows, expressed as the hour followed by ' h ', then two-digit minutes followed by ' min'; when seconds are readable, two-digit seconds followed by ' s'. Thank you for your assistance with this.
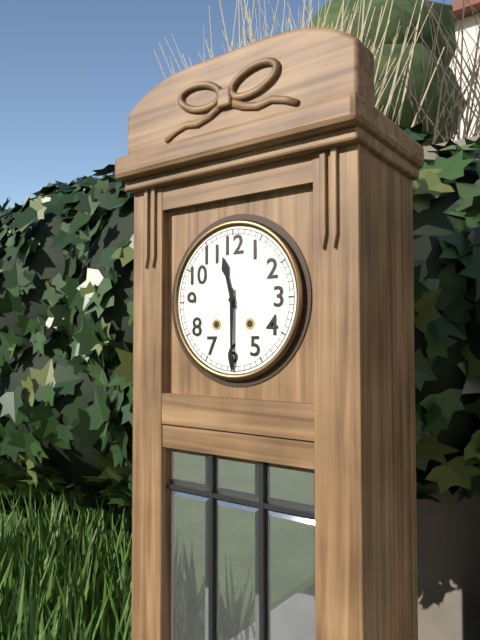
11 h 30 min
